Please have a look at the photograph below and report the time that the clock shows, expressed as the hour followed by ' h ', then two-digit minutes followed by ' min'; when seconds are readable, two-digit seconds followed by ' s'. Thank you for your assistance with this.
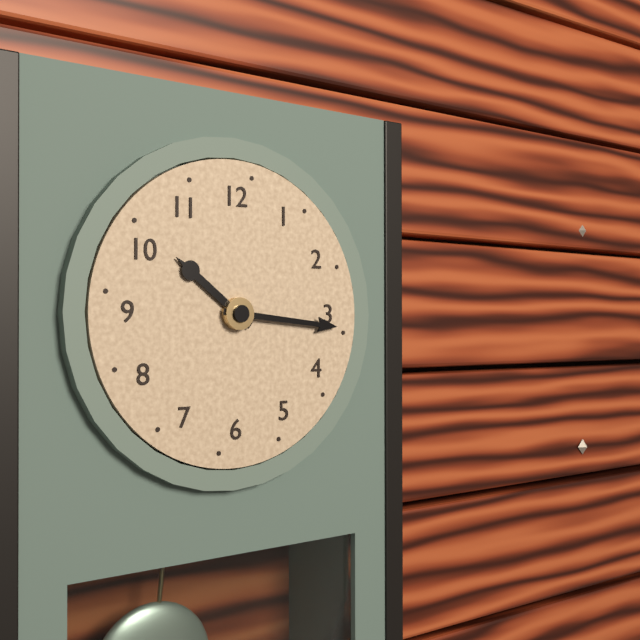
10 h 16 min
